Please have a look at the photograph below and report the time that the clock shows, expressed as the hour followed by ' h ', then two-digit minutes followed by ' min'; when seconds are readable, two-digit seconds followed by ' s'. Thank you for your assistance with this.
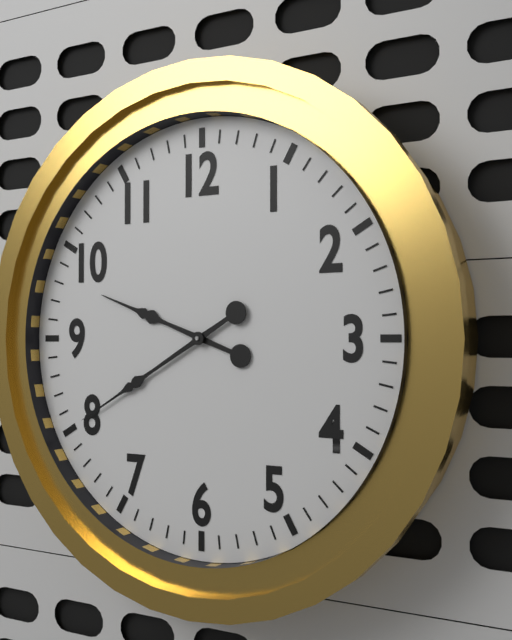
9 h 40 min
